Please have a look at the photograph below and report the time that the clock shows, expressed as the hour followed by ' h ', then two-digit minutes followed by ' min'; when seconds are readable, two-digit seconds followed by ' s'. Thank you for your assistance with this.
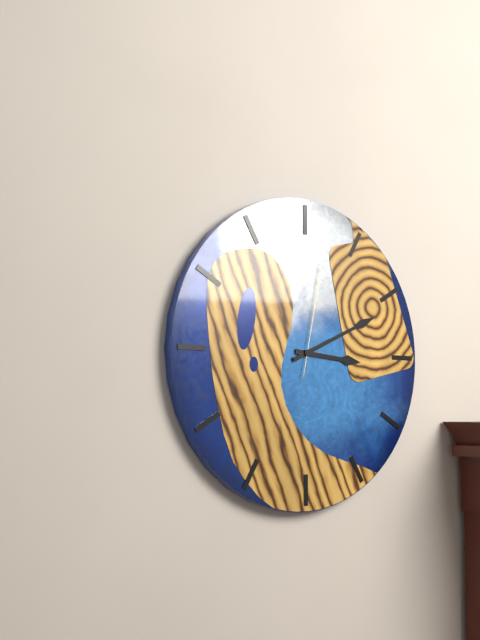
3 h 11 min 02 s
